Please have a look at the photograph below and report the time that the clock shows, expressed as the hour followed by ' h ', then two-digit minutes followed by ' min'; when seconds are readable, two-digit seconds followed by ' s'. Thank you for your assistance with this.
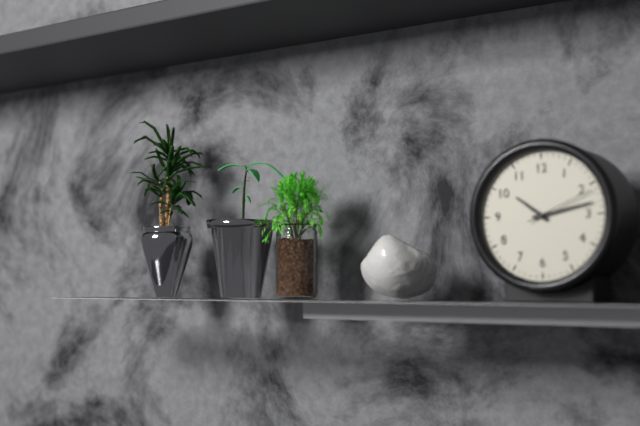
10 h 13 min 11 s
